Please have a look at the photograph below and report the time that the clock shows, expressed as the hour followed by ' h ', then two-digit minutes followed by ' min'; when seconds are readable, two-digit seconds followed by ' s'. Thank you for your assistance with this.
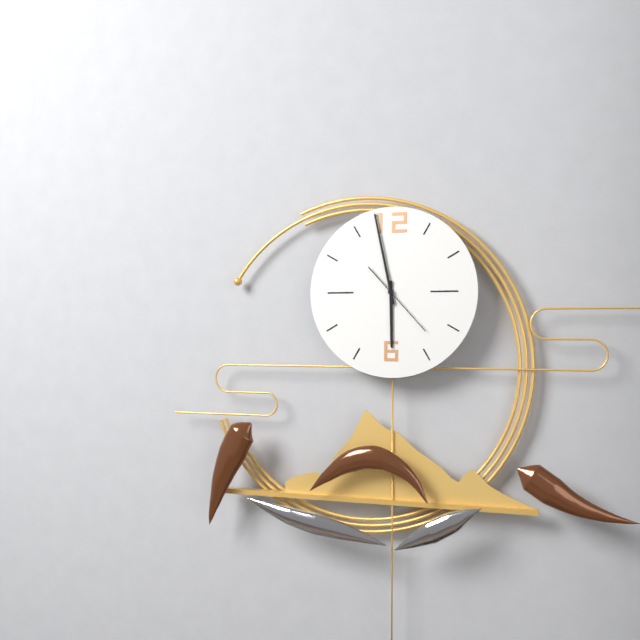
5 h 58 min 23 s
